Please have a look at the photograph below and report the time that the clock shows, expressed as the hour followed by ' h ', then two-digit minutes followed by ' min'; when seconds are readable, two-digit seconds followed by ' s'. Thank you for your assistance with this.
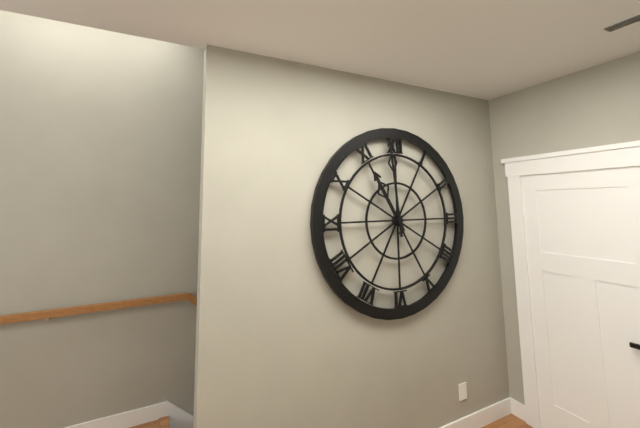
10 h 59 min
